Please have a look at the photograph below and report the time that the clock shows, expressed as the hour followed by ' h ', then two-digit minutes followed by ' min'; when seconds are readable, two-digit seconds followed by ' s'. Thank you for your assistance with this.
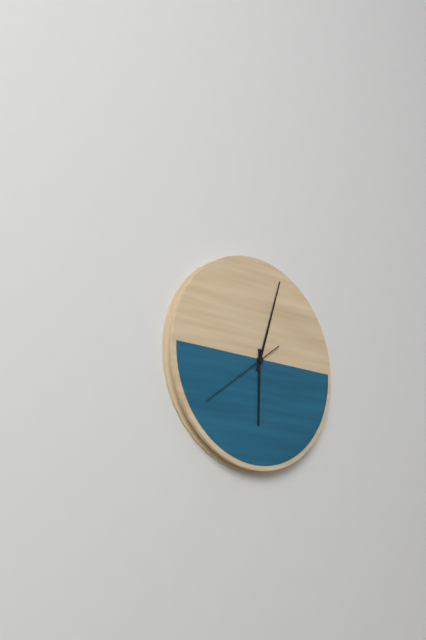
6 h 03 min 39 s
